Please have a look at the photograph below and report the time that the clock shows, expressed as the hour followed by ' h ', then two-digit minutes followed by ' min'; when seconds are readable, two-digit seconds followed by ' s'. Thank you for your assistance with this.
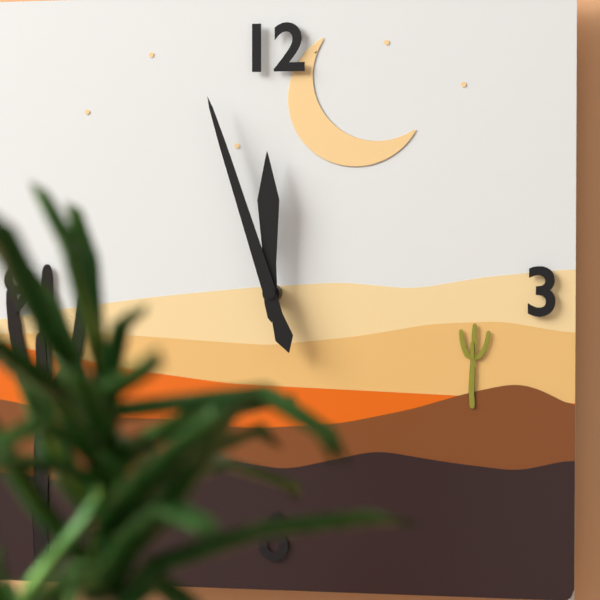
11 h 57 min
